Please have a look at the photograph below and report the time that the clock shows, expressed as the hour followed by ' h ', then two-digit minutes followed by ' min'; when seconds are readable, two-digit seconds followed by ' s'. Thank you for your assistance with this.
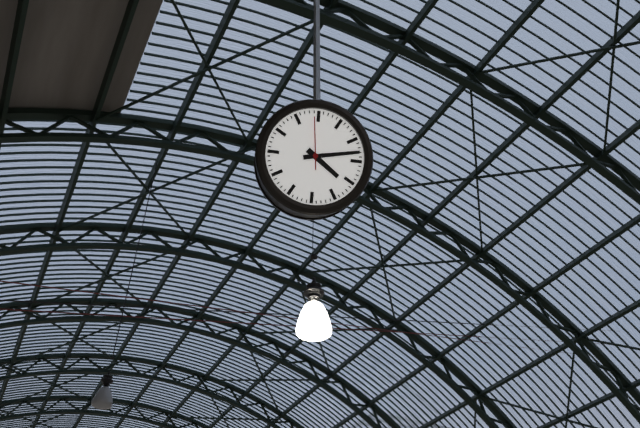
4 h 13 min
